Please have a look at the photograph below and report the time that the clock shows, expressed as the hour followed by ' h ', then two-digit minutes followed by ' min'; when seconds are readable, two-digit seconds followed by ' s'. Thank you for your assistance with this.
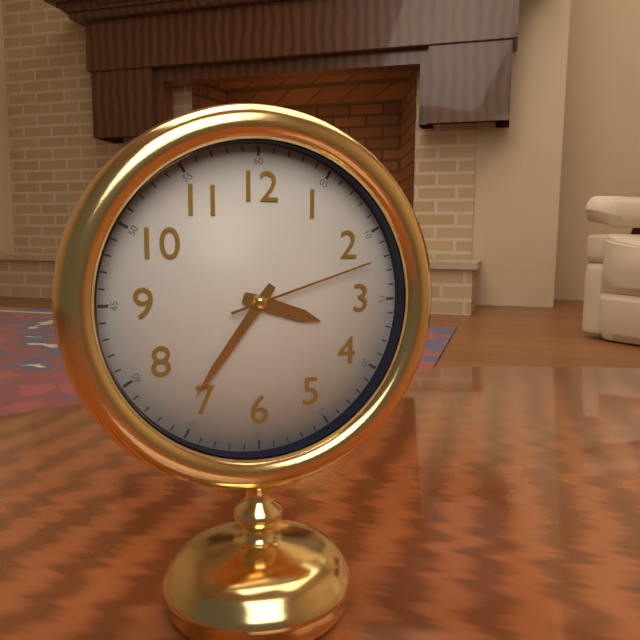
3 h 36 min 12 s
